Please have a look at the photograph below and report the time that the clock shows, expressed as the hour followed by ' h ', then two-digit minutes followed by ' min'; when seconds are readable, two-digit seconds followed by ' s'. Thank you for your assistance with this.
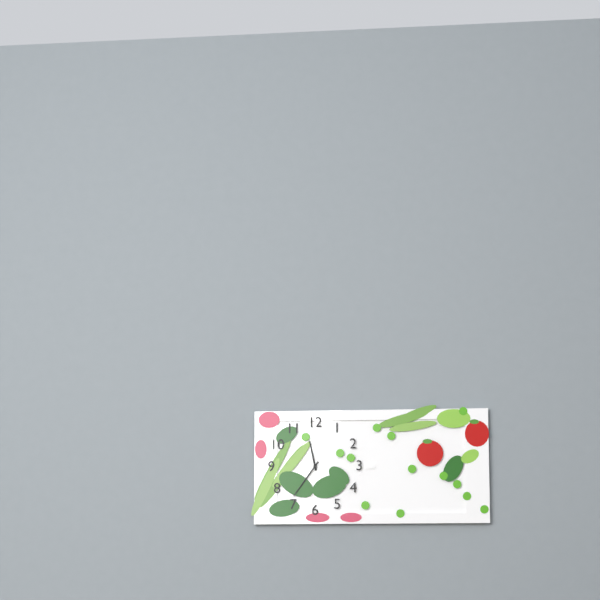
11 h 36 min
